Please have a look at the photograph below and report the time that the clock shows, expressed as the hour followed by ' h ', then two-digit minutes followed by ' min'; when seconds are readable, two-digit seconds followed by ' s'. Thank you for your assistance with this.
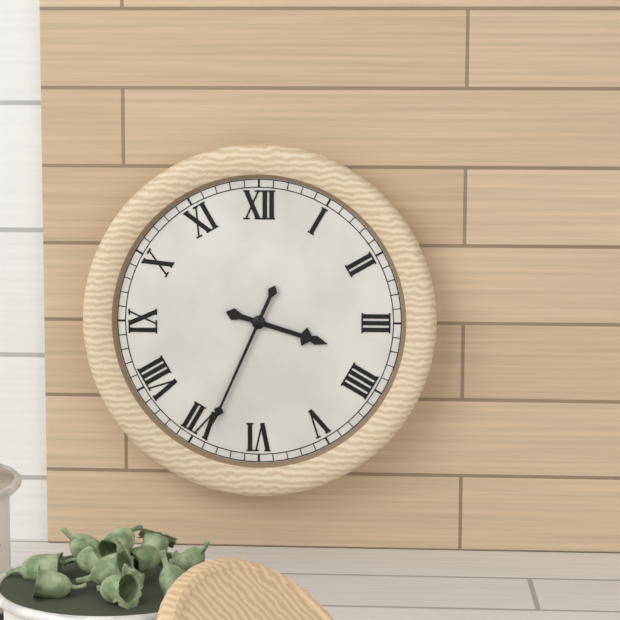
3 h 34 min
